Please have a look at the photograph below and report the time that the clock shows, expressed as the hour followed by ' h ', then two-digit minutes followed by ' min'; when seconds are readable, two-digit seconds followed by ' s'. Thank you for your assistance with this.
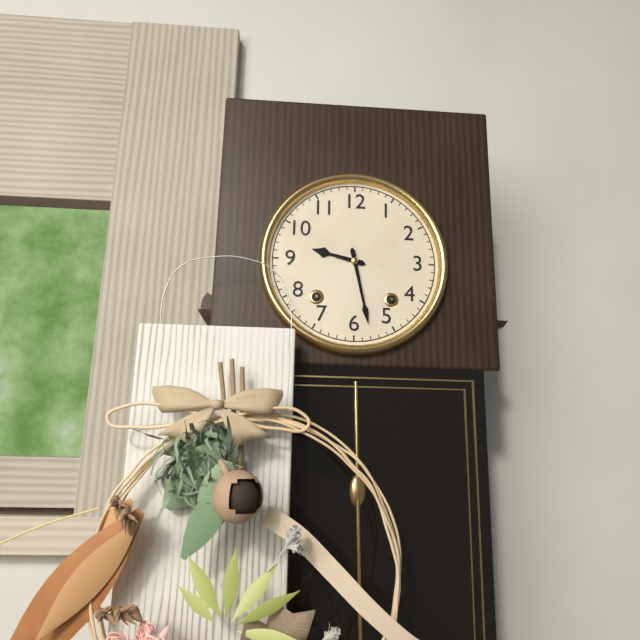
9 h 28 min
